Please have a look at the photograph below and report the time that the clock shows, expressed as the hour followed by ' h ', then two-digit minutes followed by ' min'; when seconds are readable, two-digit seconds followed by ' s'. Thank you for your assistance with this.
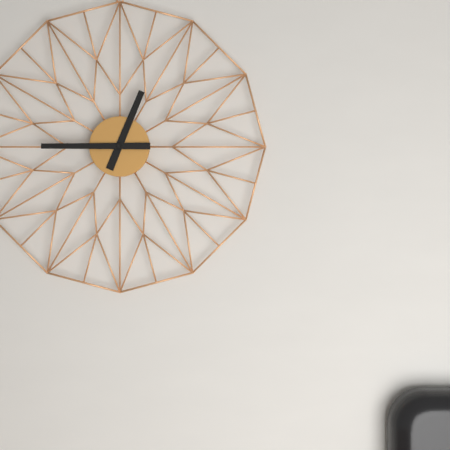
12 h 45 min
